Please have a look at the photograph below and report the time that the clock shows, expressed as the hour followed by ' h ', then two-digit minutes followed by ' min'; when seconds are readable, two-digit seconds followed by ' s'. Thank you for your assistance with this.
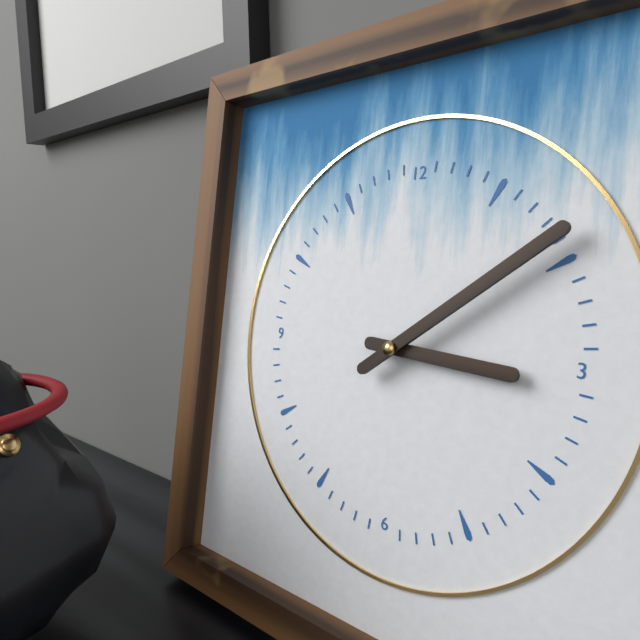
3 h 09 min
